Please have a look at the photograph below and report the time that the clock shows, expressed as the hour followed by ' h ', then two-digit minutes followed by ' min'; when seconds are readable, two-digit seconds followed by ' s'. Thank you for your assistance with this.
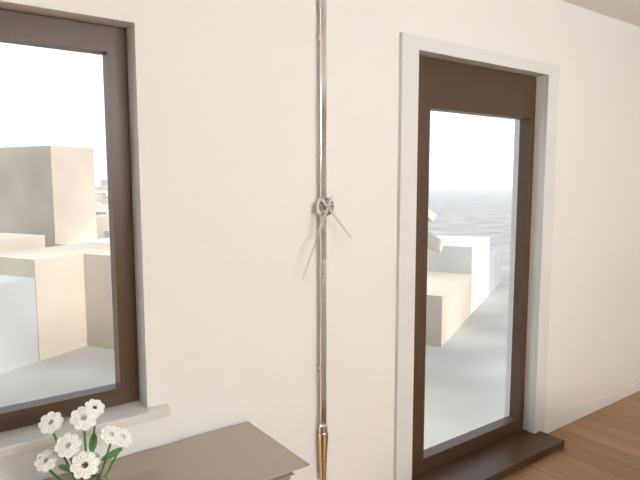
4 h 34 min
